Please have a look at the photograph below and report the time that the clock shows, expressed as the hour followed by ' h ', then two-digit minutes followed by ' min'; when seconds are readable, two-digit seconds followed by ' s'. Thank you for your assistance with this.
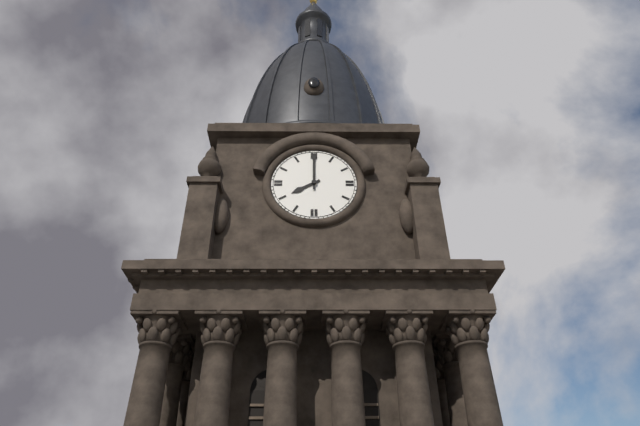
8 h 00 min
